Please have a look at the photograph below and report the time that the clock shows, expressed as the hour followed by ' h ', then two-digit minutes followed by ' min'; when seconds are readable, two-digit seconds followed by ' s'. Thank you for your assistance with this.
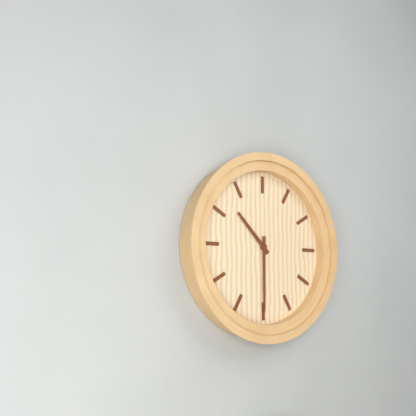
10 h 30 min
